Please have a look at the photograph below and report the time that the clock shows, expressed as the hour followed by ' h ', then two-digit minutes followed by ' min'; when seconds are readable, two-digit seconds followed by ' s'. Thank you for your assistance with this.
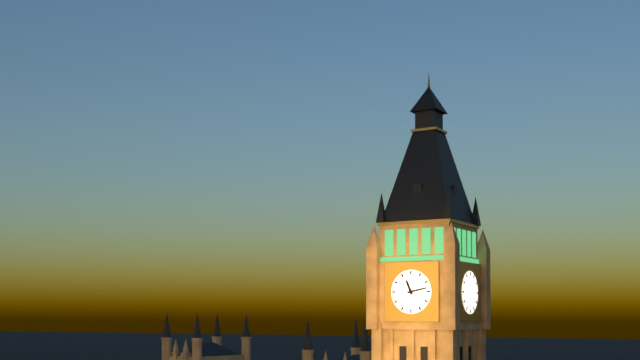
11 h 13 min
